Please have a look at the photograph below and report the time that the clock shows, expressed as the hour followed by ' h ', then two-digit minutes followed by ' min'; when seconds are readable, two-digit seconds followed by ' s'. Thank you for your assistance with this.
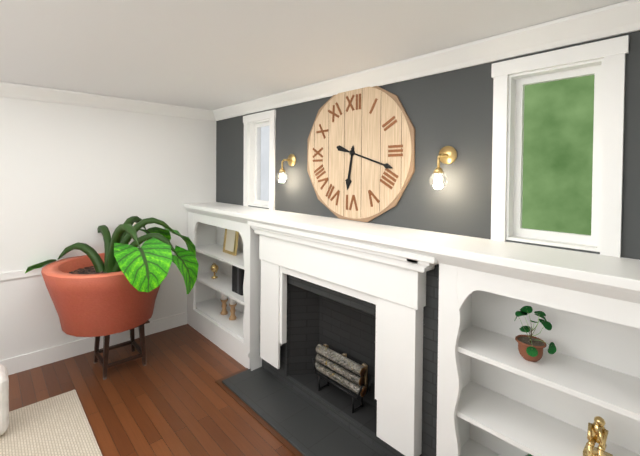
6 h 18 min
